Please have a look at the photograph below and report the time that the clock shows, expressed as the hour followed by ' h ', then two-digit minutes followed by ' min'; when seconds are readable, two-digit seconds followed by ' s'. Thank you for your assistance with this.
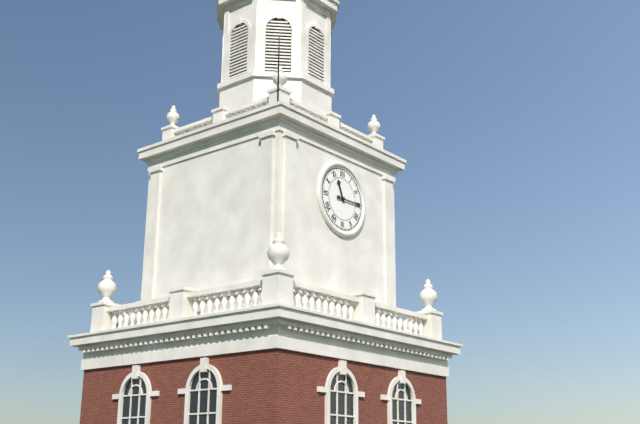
11 h 15 min
